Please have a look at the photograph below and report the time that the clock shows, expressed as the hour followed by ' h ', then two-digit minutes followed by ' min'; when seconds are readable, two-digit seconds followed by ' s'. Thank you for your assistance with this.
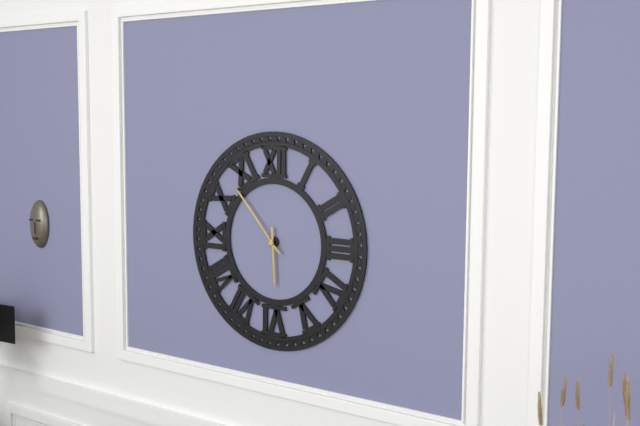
5 h 53 min
